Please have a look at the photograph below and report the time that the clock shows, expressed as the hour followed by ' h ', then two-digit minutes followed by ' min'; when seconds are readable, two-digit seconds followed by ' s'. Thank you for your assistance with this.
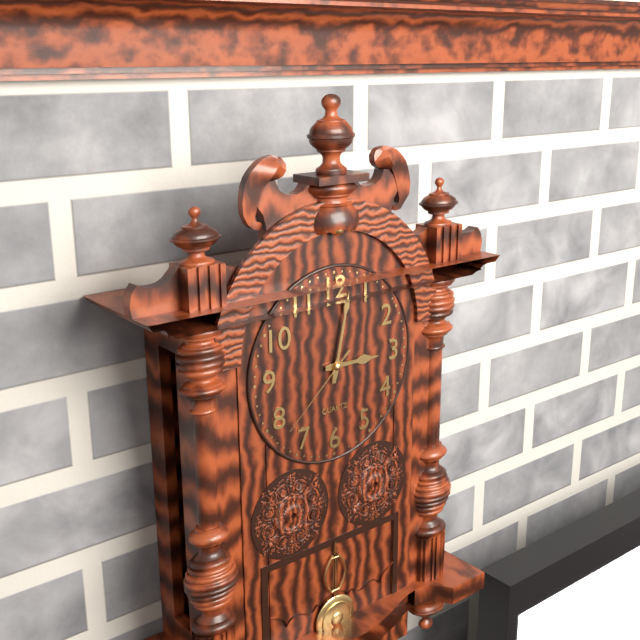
3 h 02 min 38 s
